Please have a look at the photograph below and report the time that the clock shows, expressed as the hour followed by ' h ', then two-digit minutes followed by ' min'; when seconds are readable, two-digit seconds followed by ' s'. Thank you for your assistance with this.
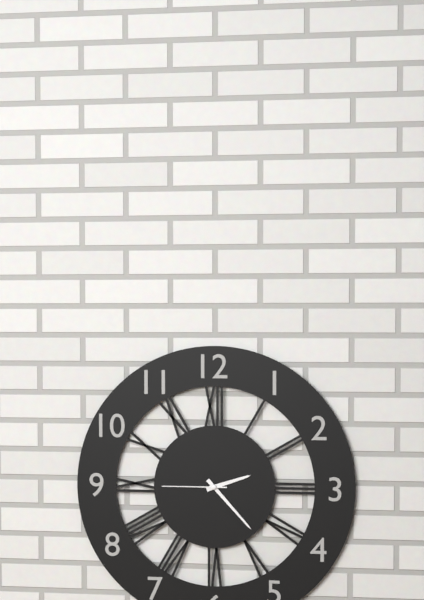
2 h 23 min 45 s
